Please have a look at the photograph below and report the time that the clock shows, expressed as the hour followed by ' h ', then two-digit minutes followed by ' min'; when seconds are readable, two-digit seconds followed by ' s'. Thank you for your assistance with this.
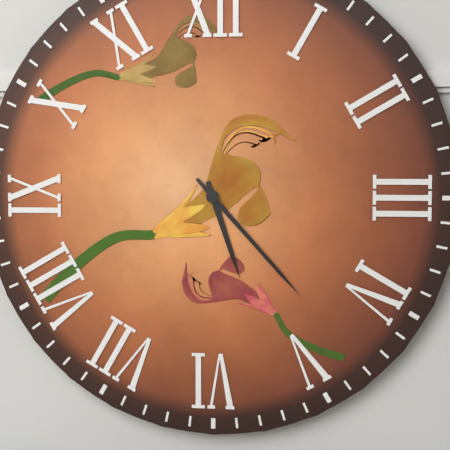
5 h 23 min
